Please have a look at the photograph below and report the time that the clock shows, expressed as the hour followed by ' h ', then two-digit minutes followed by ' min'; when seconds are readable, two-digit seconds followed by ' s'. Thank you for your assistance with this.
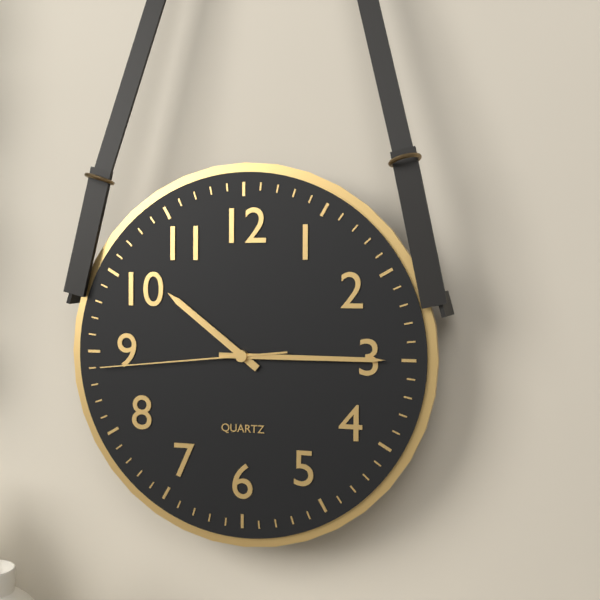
10 h 15 min 44 s
